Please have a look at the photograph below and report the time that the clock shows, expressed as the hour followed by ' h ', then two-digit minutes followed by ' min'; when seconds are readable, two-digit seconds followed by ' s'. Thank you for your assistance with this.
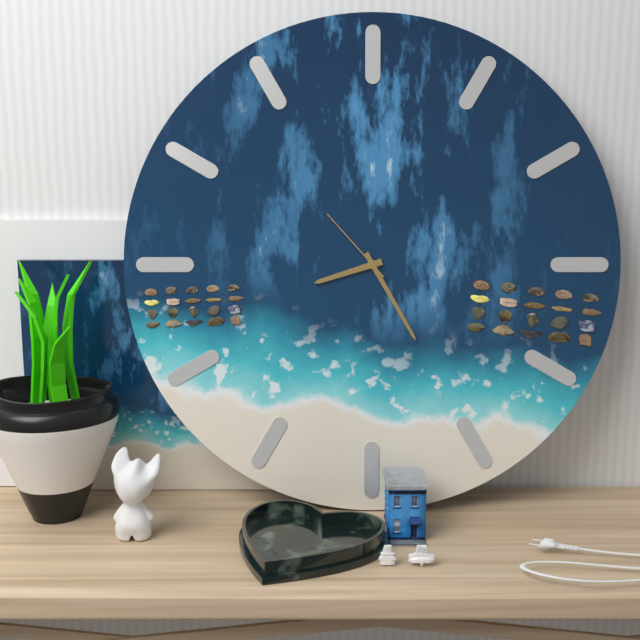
8 h 25 min 53 s
